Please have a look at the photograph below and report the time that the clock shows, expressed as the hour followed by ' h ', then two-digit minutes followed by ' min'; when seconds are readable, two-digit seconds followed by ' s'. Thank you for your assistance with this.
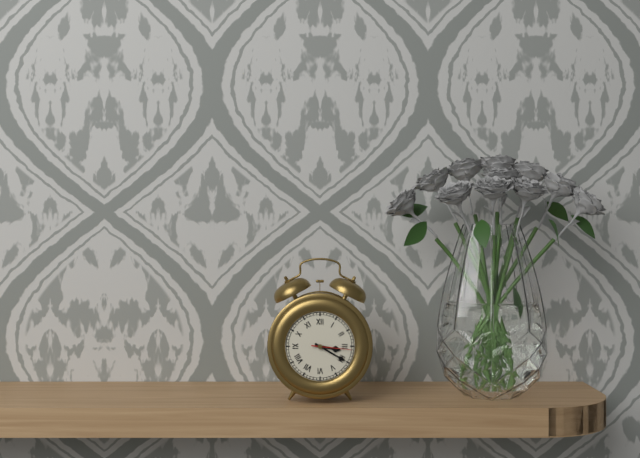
3 h 20 min
